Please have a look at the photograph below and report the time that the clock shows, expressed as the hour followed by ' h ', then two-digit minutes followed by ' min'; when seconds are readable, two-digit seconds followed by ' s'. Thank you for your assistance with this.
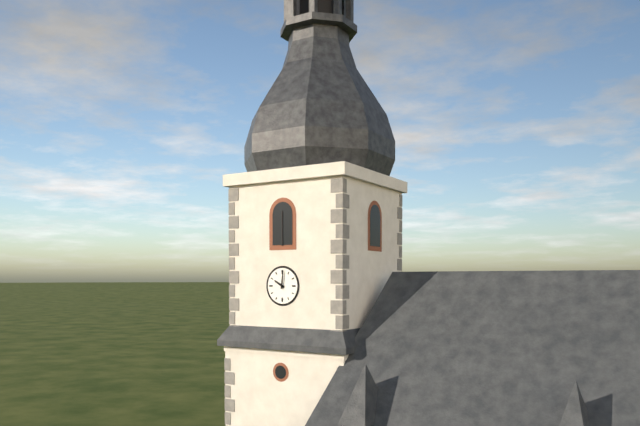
10 h 01 min
